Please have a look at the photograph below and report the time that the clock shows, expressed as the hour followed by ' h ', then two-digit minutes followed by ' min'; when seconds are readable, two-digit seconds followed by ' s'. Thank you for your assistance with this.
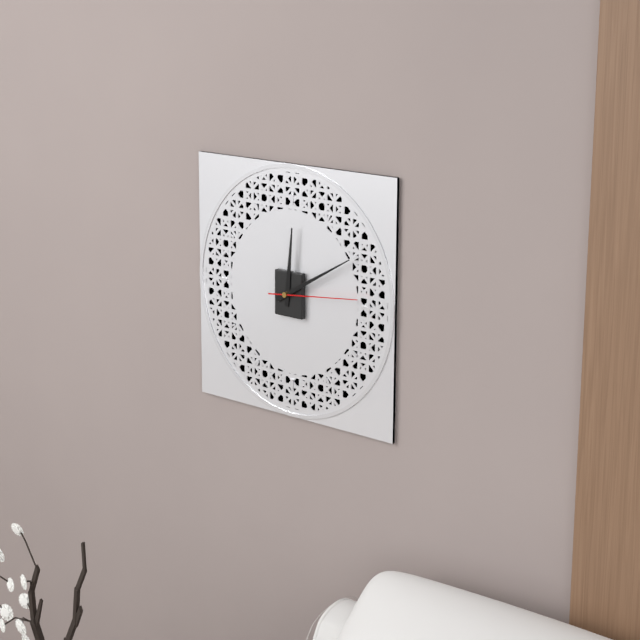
12 h 10 min 14 s
